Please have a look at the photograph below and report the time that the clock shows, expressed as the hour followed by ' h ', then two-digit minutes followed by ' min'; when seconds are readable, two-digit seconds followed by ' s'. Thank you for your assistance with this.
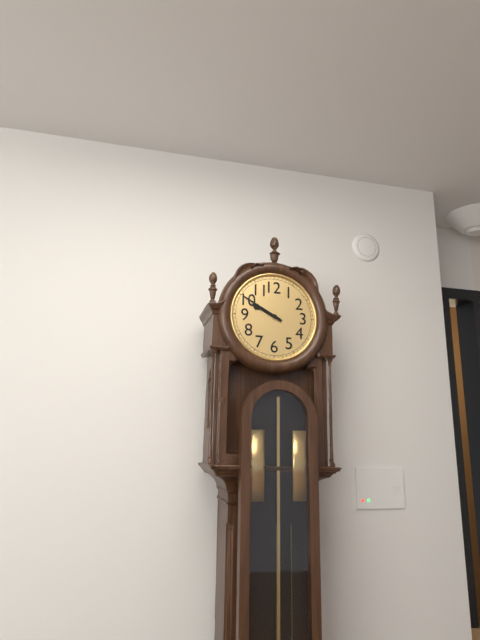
9 h 50 min
